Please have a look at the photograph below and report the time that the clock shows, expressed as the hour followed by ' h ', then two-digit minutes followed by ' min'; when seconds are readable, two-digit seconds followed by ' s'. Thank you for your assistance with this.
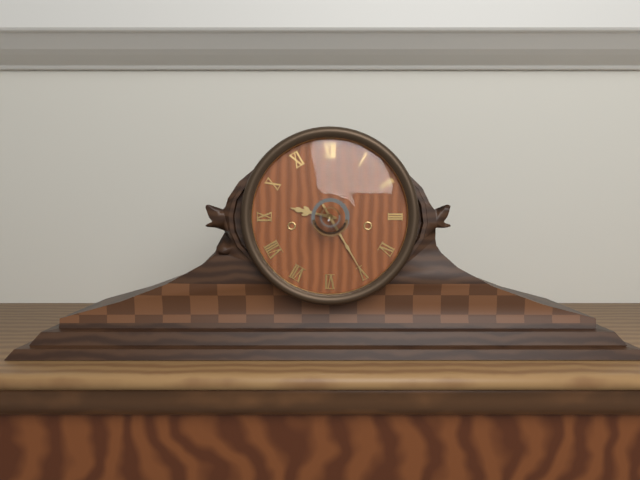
9 h 25 min
